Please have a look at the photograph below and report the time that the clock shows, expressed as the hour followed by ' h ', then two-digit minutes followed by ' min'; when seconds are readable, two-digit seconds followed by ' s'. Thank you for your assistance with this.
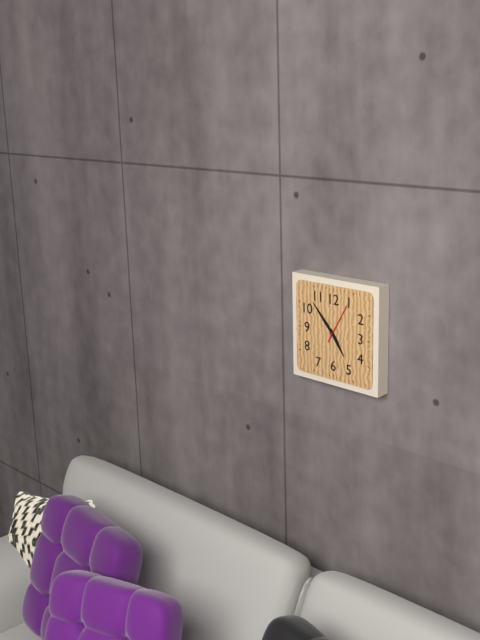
4 h 53 min
